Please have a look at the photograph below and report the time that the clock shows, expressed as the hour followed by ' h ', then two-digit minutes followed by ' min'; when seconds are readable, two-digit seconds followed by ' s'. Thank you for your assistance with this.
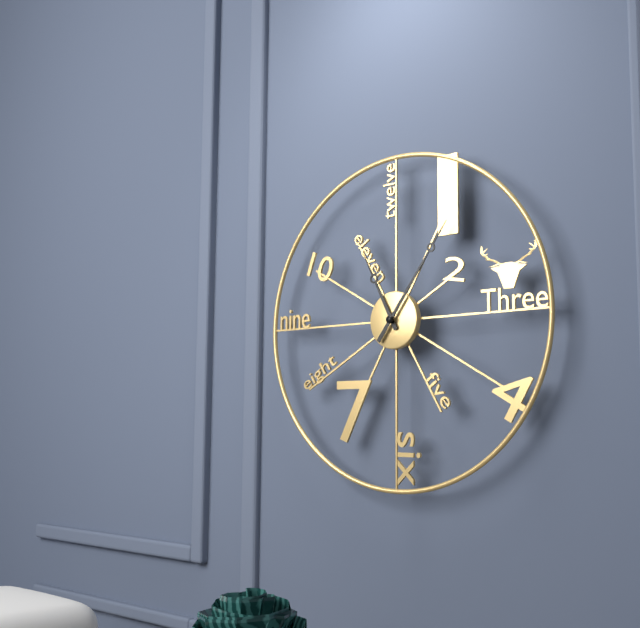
11 h 06 min
